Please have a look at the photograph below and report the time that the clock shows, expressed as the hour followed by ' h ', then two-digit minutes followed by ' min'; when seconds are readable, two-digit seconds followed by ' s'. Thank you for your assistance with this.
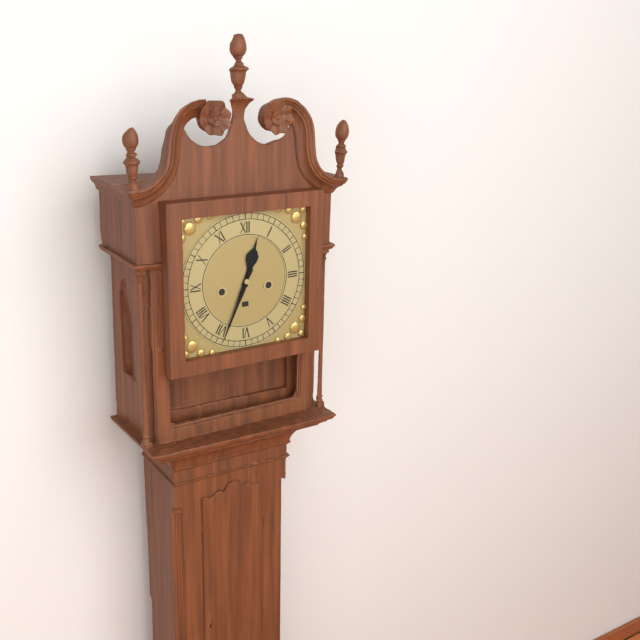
12 h 34 min
